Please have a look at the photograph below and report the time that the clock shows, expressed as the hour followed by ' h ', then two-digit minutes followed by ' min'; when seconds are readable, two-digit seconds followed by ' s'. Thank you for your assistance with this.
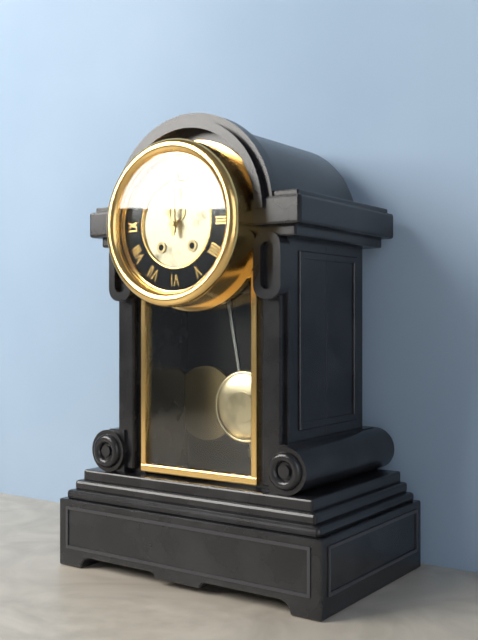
12 h 00 min
